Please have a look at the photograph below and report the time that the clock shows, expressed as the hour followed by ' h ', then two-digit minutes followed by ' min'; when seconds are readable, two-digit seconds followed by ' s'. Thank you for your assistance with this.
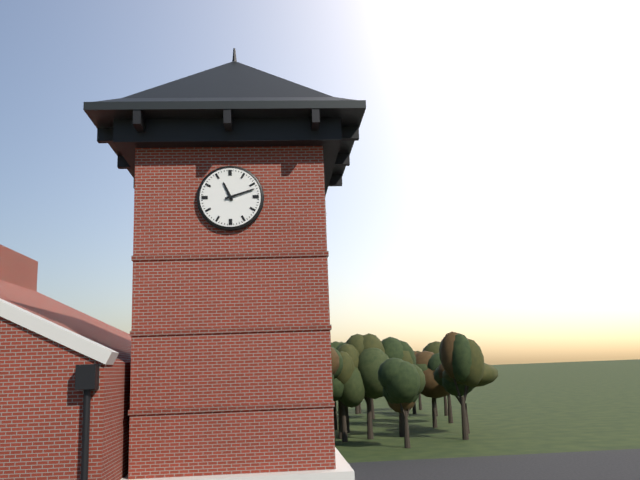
11 h 12 min
